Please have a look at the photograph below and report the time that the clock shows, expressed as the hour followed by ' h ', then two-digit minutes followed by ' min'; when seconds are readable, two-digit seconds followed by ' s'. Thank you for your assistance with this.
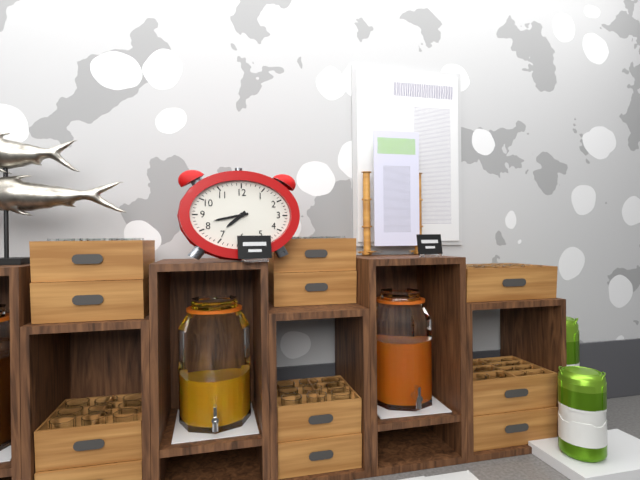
7 h 43 min
